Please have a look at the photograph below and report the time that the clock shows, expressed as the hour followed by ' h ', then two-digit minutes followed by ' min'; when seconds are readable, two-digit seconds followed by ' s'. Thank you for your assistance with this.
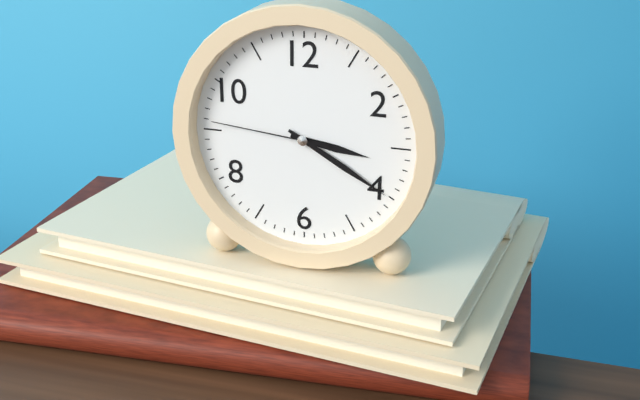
3 h 20 min 46 s
